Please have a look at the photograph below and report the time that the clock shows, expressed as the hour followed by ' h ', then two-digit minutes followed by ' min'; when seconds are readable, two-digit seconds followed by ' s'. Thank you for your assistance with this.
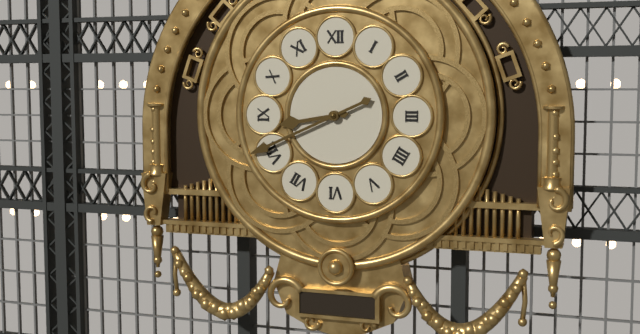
8 h 41 min
